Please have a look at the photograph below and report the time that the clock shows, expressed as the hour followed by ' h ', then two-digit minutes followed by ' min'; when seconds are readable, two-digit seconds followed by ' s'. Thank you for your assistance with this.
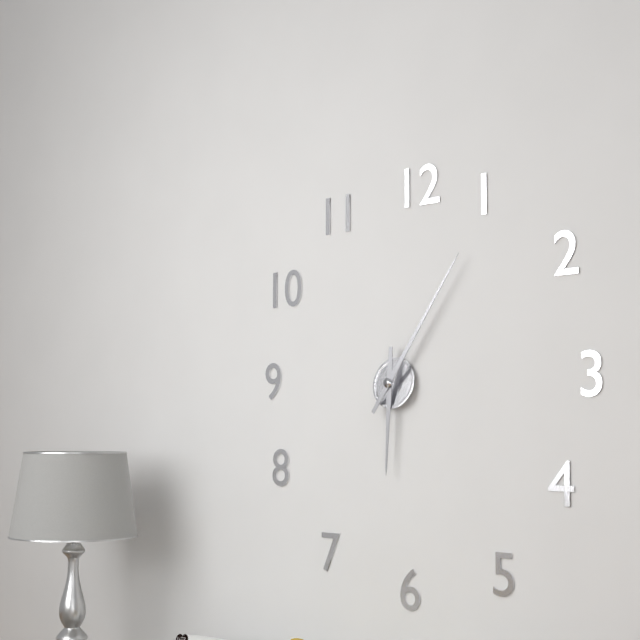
6 h 06 min
